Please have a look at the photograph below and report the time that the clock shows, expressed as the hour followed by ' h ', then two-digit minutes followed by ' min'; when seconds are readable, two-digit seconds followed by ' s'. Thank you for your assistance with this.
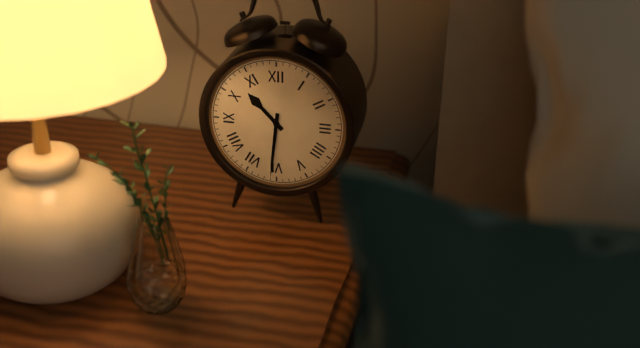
10 h 31 min
